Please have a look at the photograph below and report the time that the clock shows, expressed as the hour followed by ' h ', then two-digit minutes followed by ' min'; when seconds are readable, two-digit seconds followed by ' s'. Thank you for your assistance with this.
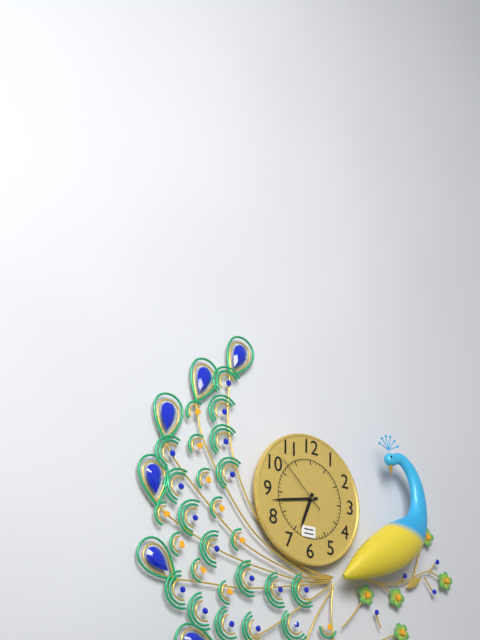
6 h 43 min 52 s
